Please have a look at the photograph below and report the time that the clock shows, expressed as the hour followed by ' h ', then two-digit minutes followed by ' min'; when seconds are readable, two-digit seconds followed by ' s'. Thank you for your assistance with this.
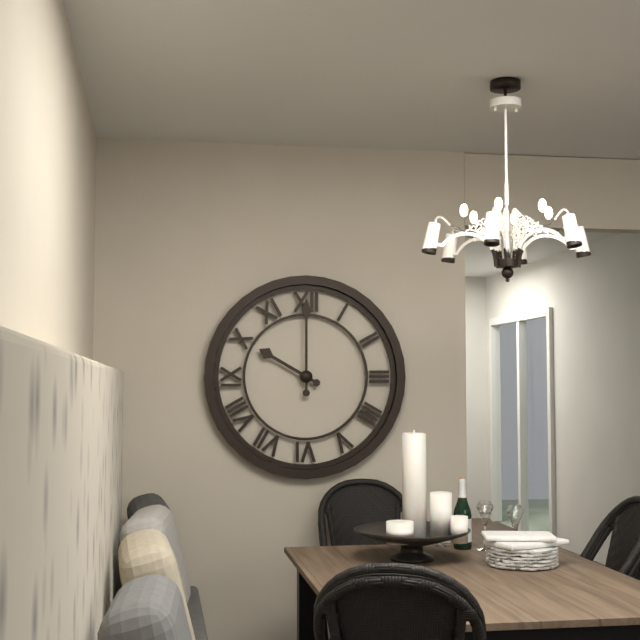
10 h 00 min
